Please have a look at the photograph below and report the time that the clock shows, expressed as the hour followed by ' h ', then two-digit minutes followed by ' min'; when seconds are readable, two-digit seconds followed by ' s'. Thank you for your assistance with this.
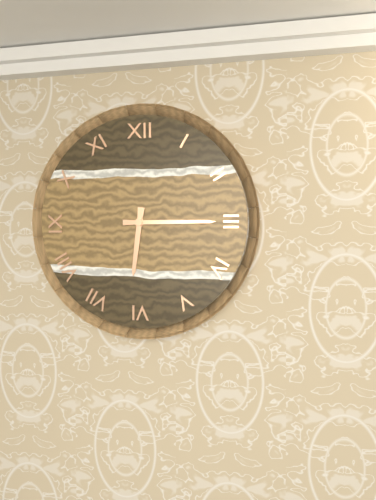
6 h 15 min
